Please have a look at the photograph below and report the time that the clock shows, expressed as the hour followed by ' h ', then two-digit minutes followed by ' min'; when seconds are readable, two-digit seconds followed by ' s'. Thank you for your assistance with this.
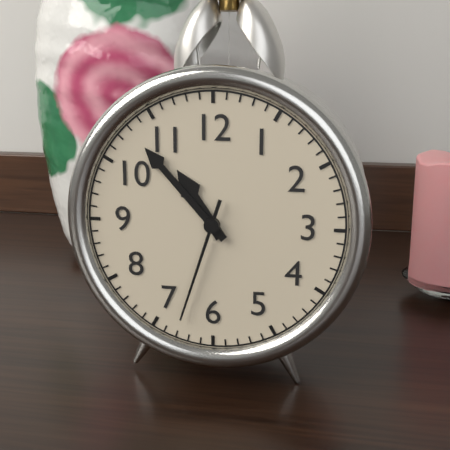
10 h 53 min 33 s
